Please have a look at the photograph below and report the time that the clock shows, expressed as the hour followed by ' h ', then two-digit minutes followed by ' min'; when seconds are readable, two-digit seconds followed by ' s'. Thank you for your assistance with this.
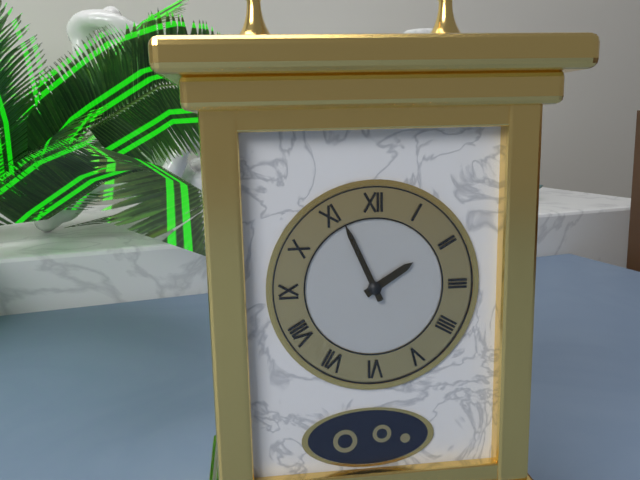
1 h 56 min
